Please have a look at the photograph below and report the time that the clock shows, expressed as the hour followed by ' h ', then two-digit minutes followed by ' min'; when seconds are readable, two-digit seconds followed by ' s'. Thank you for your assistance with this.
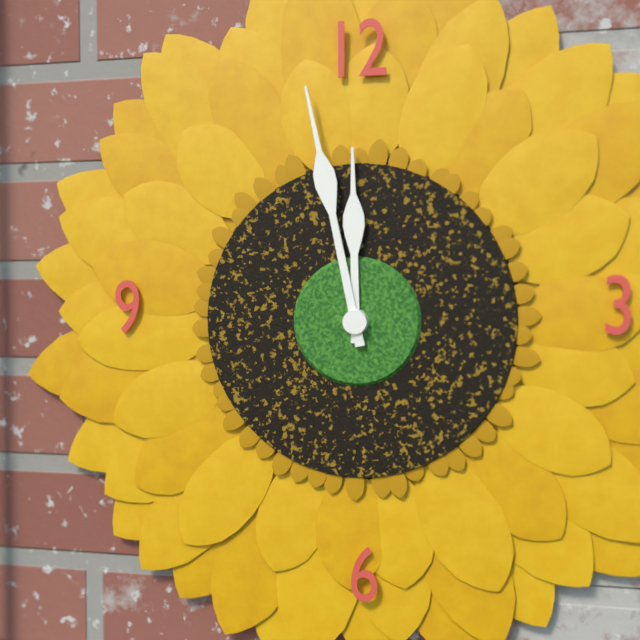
11 h 58 min
